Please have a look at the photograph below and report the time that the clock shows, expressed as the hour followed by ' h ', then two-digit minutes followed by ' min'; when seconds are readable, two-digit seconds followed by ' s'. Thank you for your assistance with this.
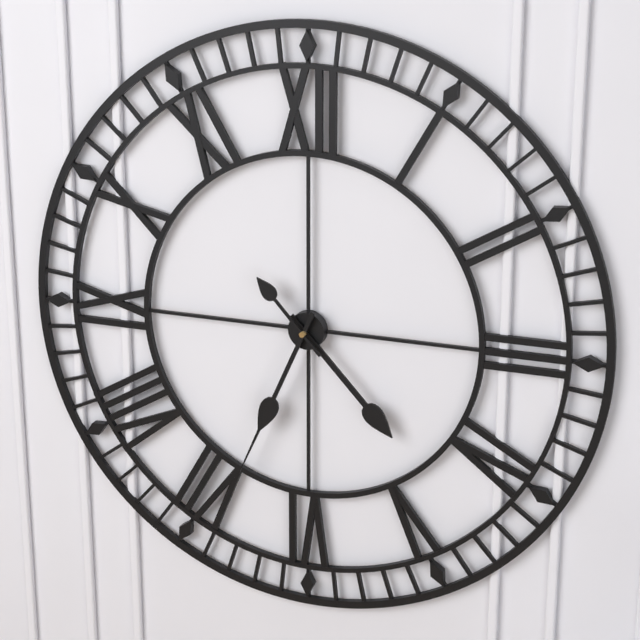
4 h 34 min 53 s
